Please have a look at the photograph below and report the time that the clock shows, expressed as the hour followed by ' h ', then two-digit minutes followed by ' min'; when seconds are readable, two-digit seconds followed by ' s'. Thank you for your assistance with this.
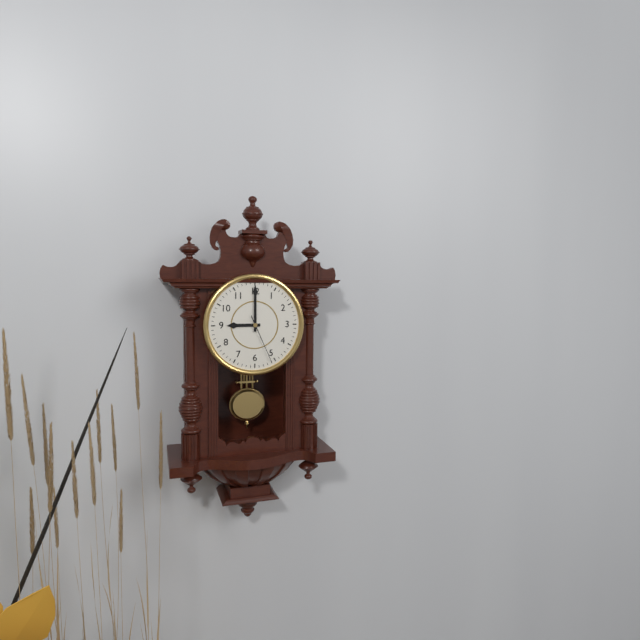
9 h 00 min 26 s
